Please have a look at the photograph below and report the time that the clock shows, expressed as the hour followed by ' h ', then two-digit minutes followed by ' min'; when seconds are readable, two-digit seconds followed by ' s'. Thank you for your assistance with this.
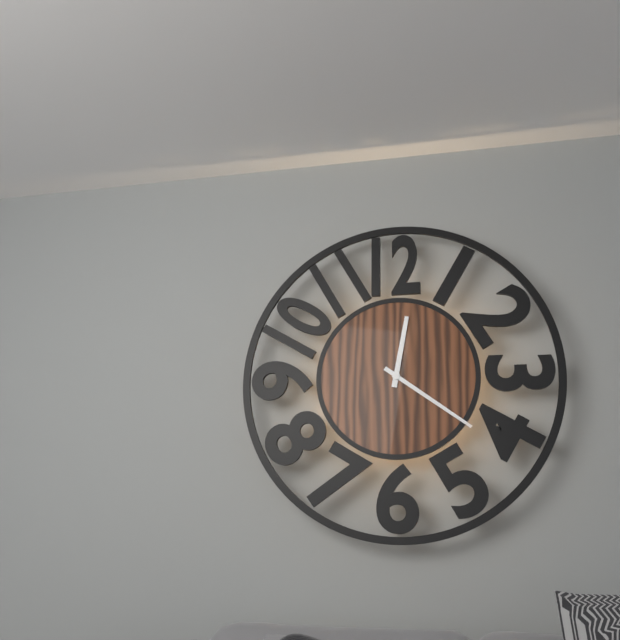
12 h 21 min
